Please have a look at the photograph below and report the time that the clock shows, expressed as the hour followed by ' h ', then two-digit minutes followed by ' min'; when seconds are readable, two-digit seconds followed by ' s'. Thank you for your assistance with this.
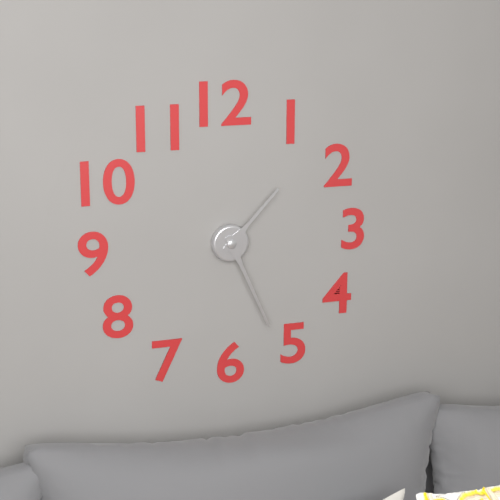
1 h 26 min
